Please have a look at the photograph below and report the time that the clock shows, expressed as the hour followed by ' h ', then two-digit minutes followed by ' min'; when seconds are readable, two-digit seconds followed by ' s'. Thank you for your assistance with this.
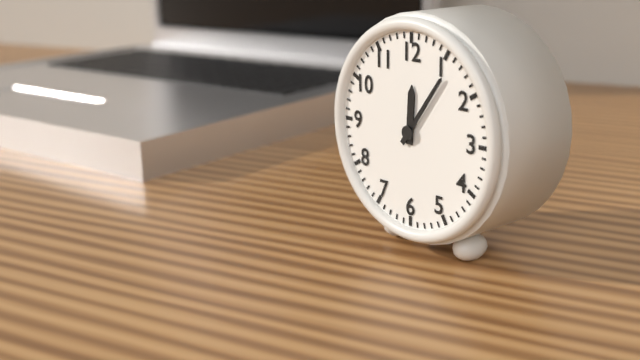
12 h 06 min
